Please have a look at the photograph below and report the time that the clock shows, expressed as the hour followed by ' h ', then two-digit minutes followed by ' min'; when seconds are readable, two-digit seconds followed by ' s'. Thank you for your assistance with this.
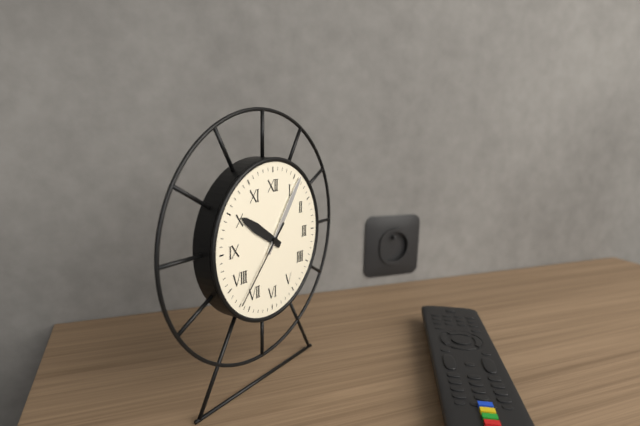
10 h 06 min 37 s
